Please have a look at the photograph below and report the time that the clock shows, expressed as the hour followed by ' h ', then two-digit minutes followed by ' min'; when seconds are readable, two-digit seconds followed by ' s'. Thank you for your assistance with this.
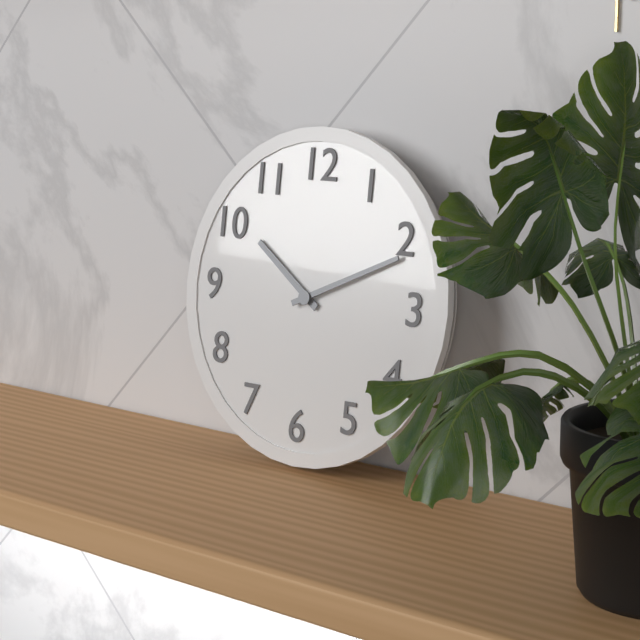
10 h 11 min
